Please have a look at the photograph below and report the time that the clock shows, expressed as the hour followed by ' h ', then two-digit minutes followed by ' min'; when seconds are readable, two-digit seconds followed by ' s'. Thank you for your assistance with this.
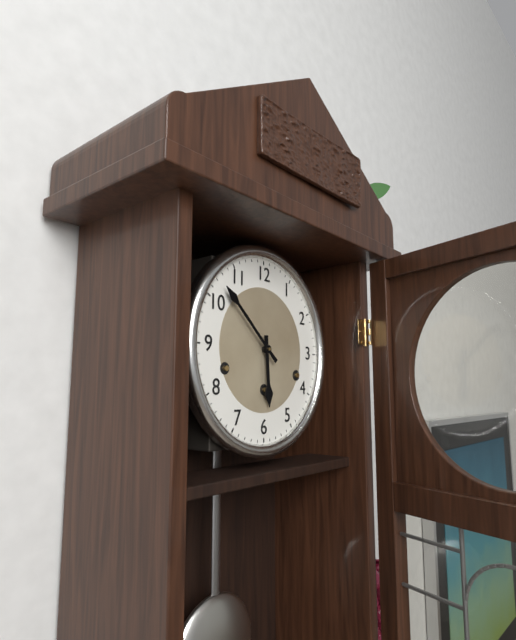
5 h 52 min
